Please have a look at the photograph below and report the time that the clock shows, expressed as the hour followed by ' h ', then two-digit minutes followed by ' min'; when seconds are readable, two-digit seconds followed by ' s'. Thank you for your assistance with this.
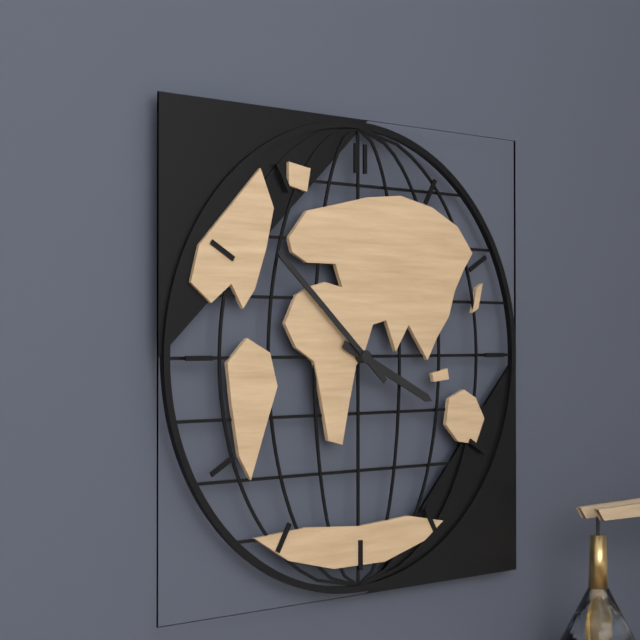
3 h 52 min
